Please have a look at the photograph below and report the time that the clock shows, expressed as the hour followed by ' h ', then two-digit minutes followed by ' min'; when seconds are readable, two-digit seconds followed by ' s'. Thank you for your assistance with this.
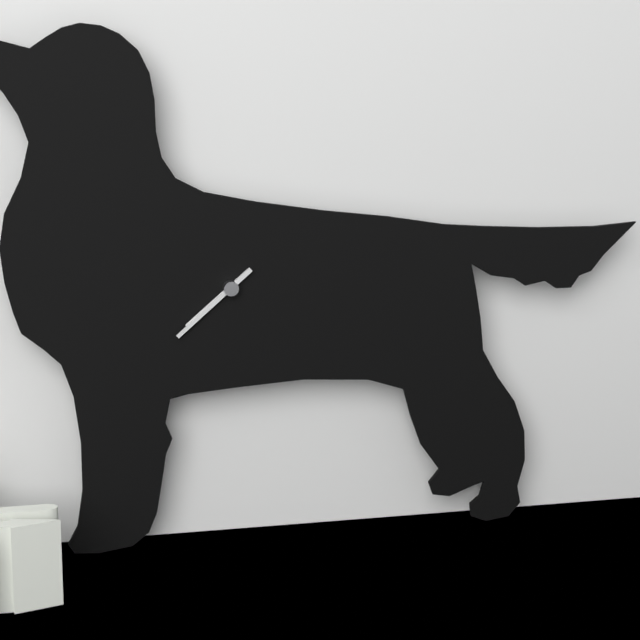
7 h 38 min
